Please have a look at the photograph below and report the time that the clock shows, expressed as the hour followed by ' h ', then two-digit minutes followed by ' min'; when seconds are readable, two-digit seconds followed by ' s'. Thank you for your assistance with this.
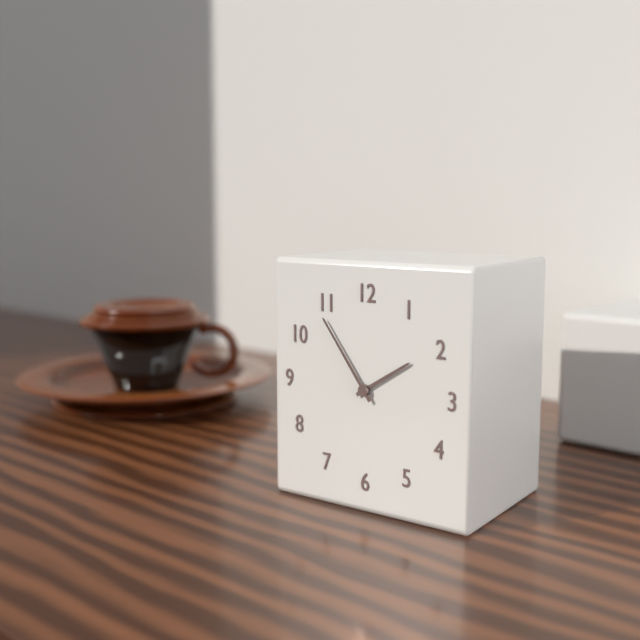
1 h 54 min
